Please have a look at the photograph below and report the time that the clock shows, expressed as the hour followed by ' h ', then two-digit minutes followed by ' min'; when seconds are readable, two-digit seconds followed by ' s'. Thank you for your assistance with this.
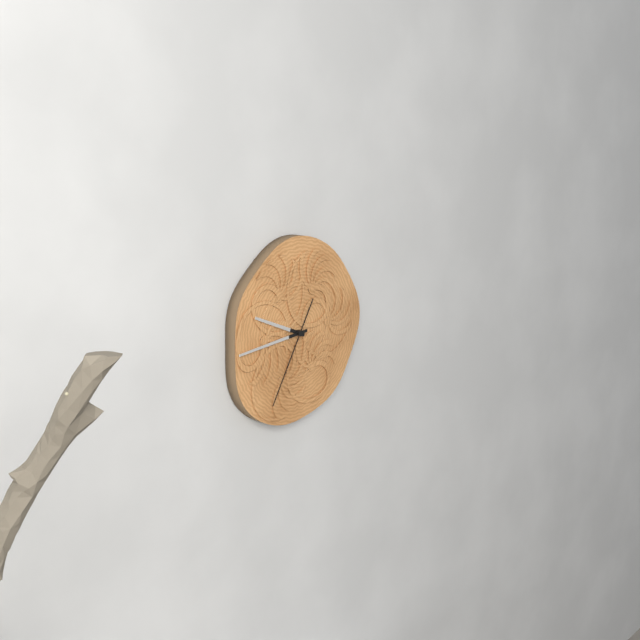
9 h 44 min 35 s
